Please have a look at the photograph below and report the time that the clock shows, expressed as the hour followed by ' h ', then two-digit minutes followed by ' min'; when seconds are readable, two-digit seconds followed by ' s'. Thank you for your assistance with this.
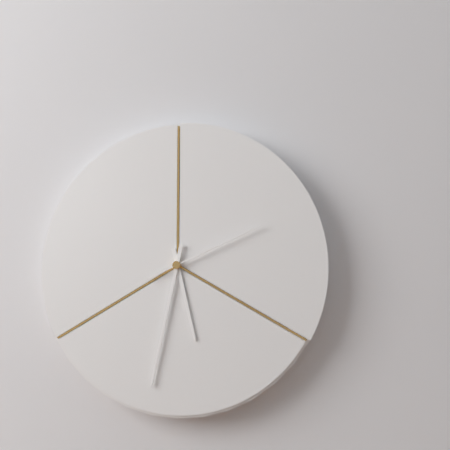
5 h 32 min 11 s
